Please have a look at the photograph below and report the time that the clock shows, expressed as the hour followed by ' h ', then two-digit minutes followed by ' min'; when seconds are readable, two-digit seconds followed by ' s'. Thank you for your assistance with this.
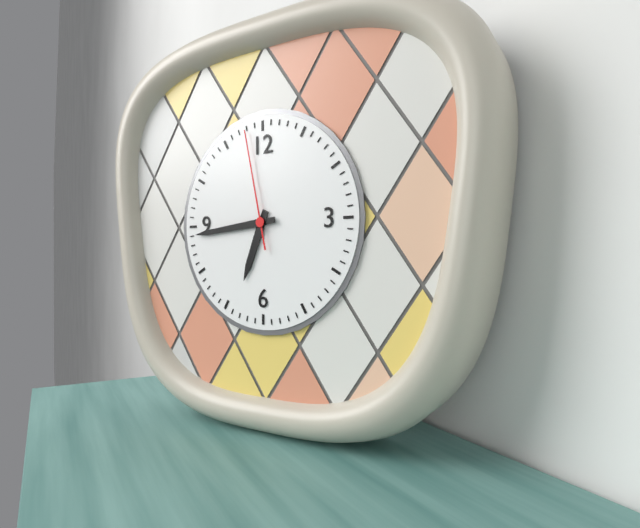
6 h 44 min 58 s
